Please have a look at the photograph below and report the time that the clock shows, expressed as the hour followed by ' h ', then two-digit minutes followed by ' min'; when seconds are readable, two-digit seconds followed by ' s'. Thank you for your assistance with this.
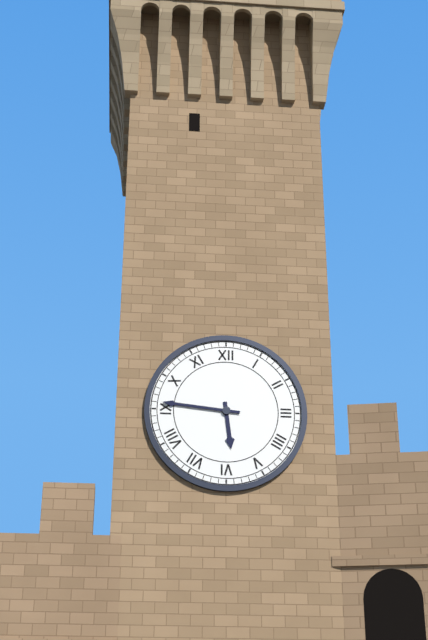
5 h 46 min
